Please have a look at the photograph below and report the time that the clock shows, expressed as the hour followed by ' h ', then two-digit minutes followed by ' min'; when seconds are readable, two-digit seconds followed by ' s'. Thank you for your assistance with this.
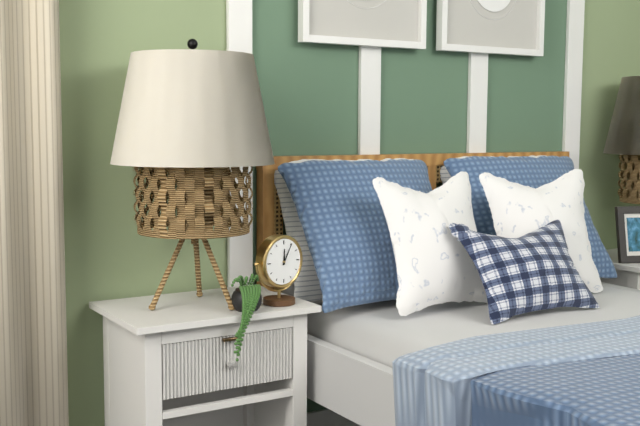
12 h 05 min
